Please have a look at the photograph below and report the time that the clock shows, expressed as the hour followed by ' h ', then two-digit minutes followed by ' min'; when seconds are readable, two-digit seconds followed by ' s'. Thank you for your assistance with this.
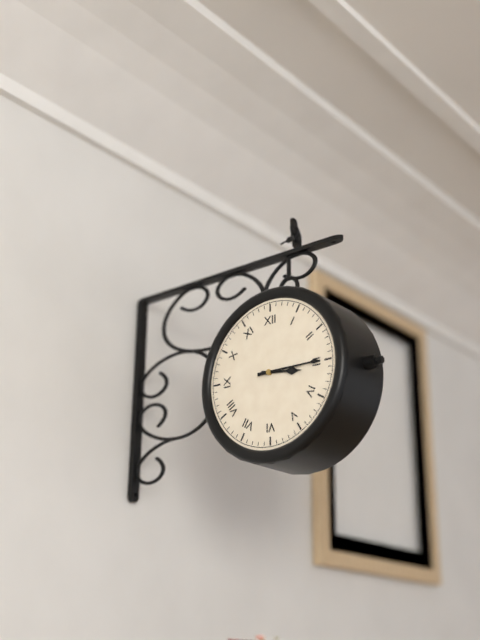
3 h 15 min
